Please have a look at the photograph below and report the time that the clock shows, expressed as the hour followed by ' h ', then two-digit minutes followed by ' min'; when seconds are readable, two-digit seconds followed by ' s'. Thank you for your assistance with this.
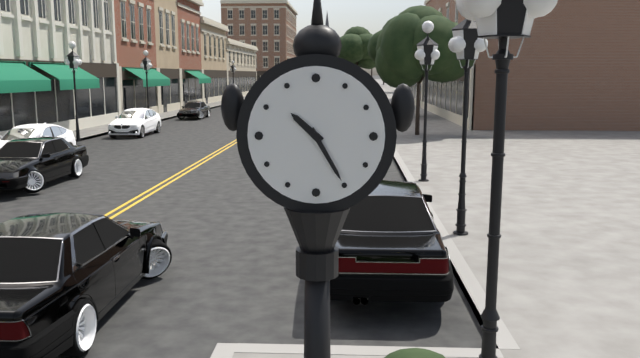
10 h 25 min
